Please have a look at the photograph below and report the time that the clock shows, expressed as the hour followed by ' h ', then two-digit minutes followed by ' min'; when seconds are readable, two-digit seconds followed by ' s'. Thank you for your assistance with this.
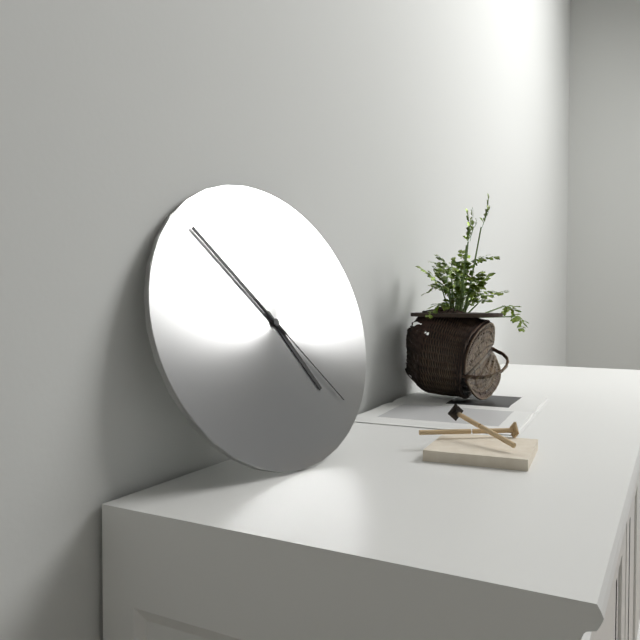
4 h 53 min 23 s
